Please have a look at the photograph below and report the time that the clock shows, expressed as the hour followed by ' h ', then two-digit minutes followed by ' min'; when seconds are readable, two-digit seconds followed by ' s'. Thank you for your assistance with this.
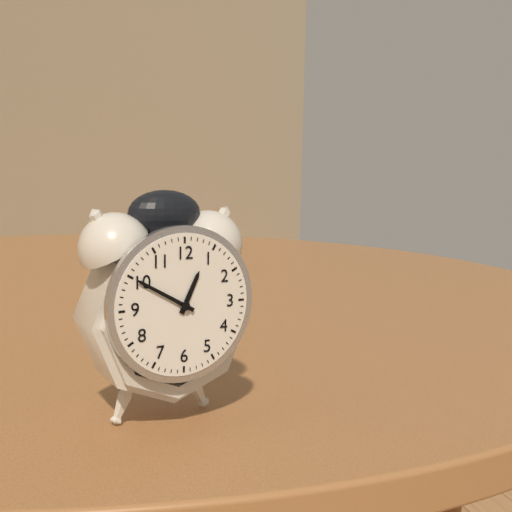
12 h 50 min
